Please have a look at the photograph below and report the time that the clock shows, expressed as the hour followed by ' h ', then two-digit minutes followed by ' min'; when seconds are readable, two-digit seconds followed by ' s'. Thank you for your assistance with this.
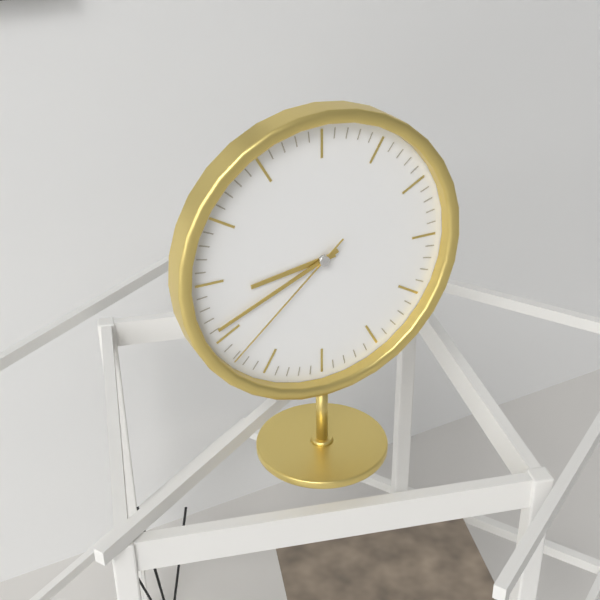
8 h 41 min 38 s
